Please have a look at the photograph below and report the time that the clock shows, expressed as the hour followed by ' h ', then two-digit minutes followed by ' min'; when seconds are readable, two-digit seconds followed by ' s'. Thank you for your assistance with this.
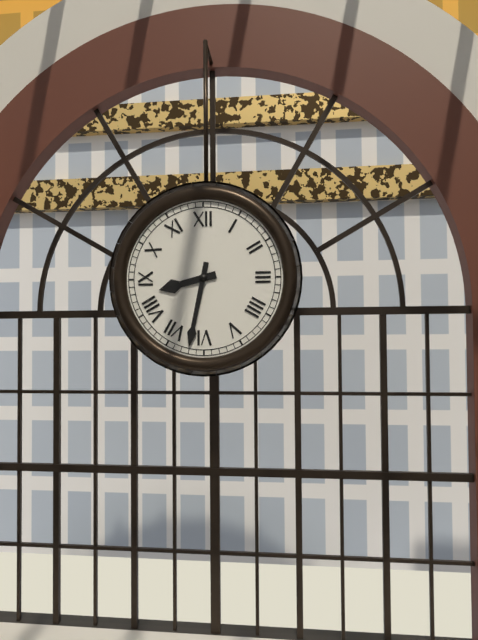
8 h 32 min
